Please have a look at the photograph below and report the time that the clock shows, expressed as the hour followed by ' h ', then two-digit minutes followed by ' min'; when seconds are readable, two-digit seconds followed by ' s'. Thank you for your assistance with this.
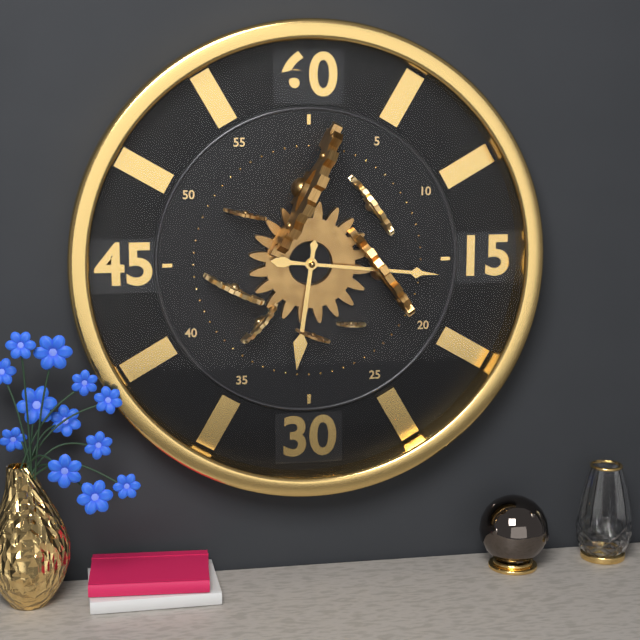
6 h 16 min
